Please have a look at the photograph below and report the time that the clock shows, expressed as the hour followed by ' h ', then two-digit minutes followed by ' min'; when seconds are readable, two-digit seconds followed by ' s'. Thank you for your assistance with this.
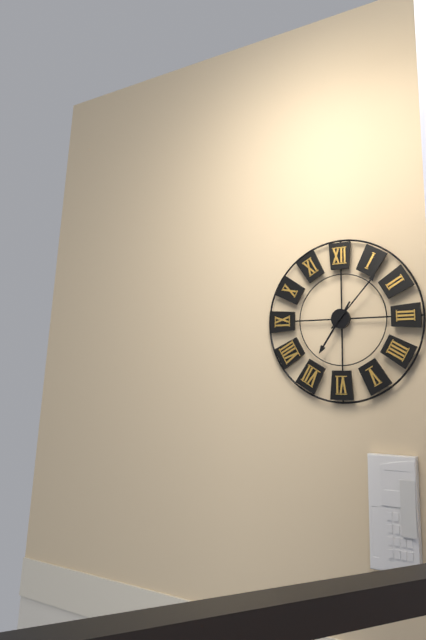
7 h 07 min
